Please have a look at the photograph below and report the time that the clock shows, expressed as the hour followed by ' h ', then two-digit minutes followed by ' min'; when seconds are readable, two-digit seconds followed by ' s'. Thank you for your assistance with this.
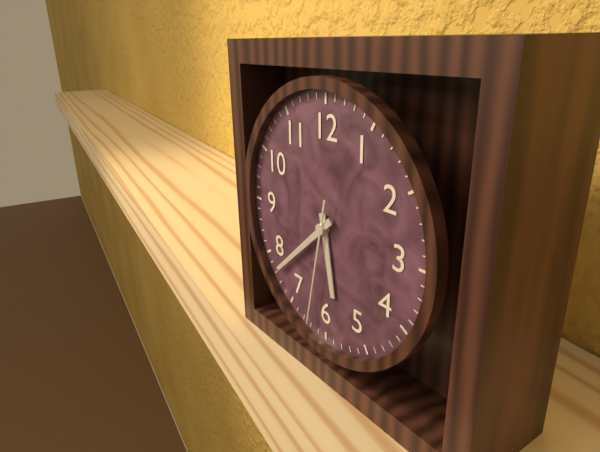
5 h 38 min 32 s
